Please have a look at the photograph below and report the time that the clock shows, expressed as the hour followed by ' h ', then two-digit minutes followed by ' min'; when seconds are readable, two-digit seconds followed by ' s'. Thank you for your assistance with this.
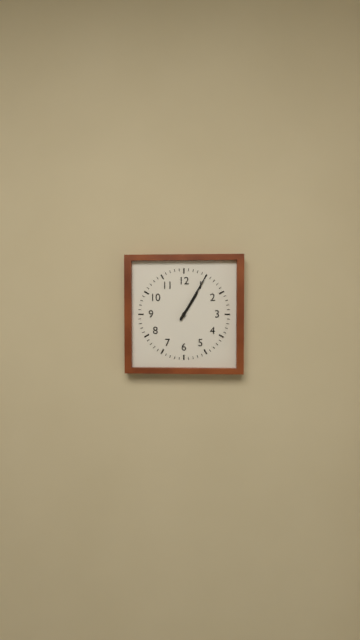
1 h 05 min
